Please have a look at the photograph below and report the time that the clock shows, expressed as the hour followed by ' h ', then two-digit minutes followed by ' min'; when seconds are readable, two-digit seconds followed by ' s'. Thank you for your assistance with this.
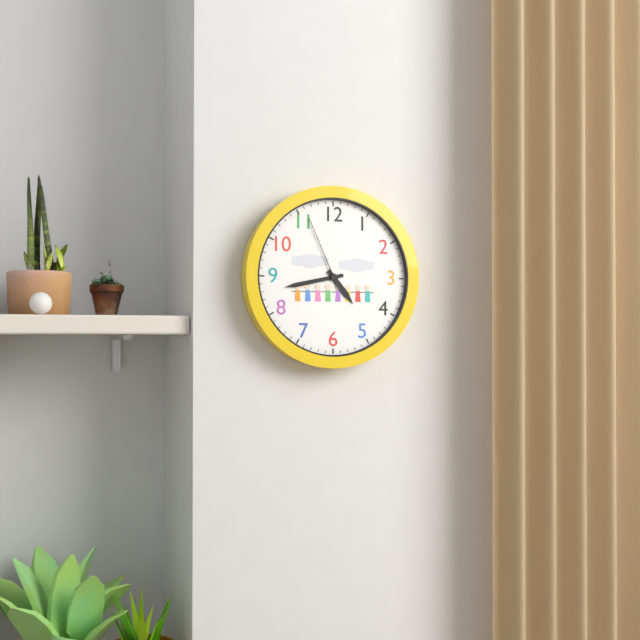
4 h 43 min 56 s
